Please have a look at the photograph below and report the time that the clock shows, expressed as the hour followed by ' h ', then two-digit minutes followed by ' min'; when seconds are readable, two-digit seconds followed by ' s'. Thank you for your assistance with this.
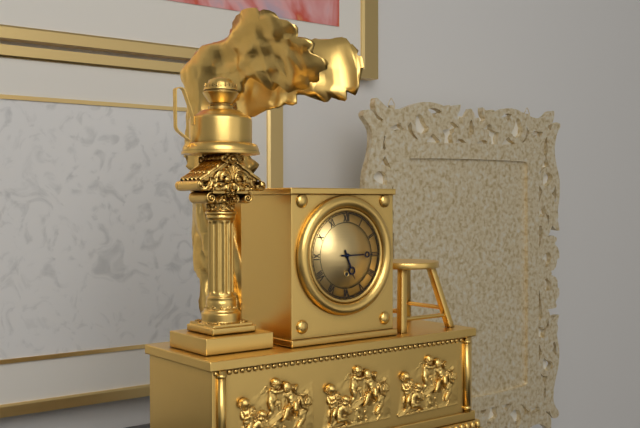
5 h 15 min
